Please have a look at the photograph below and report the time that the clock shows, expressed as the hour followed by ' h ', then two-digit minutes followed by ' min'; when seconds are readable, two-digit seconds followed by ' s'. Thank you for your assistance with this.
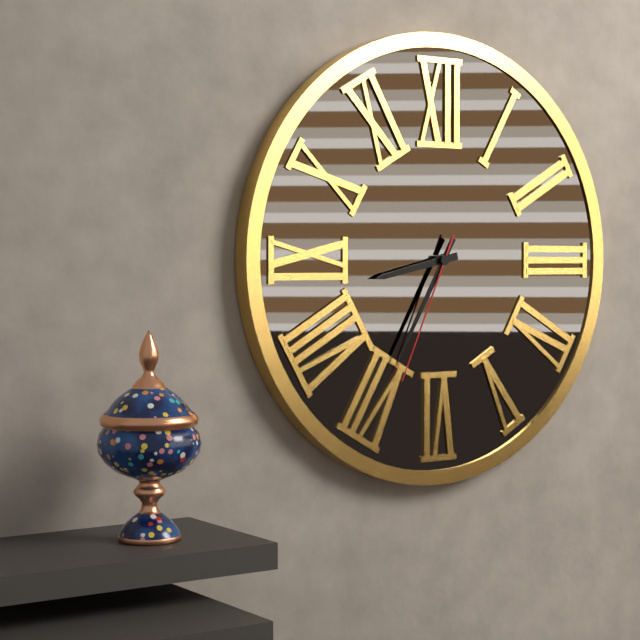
8 h 35 min 34 s
